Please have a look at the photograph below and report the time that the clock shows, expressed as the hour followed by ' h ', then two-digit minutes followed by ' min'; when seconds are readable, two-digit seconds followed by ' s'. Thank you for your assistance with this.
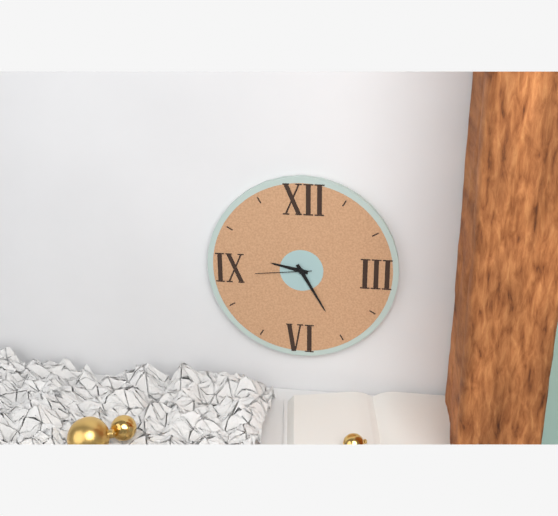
9 h 25 min 44 s
